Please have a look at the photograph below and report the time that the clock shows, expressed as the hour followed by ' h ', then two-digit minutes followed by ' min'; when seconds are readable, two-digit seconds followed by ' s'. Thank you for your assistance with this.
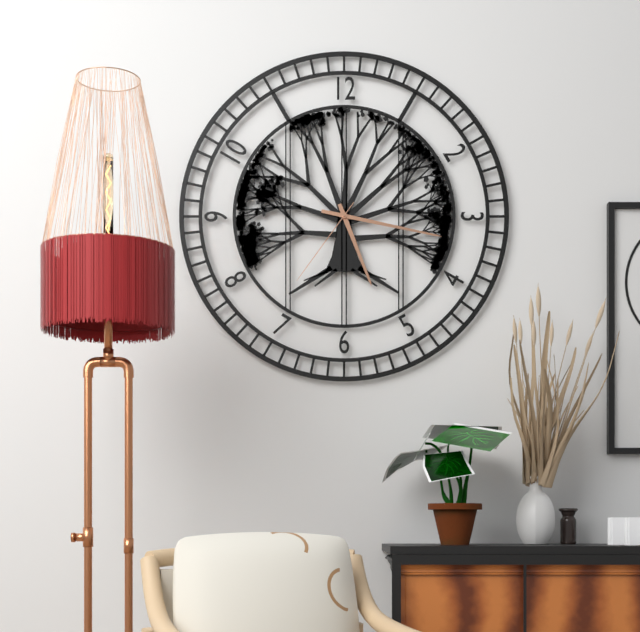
5 h 17 min 36 s
